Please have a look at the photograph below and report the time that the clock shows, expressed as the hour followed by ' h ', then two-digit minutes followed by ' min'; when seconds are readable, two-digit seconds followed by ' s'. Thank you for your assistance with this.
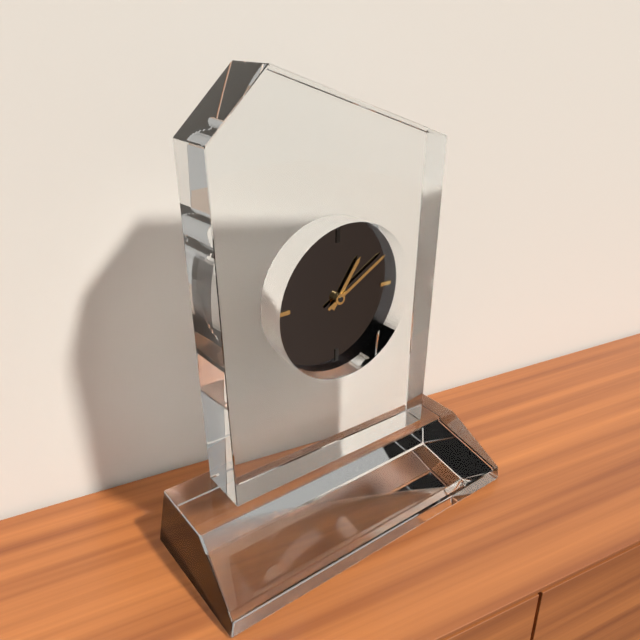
1 h 10 min
